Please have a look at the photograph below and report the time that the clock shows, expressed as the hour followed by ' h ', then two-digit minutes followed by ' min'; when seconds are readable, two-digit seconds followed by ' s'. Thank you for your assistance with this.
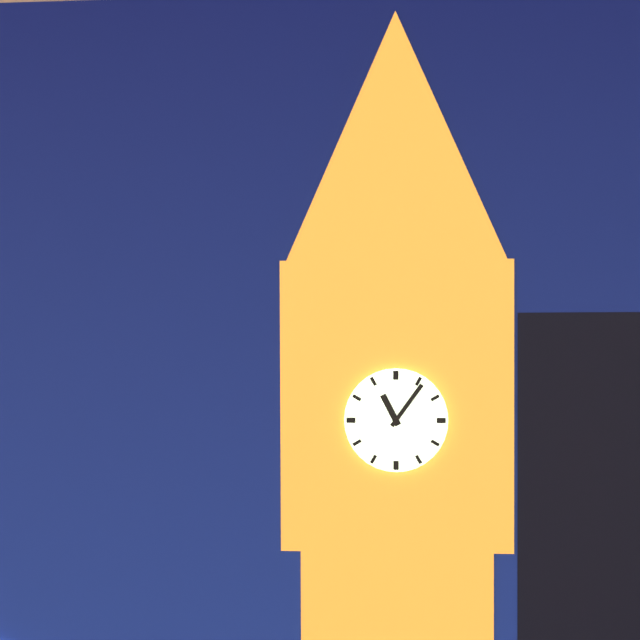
11 h 06 min
